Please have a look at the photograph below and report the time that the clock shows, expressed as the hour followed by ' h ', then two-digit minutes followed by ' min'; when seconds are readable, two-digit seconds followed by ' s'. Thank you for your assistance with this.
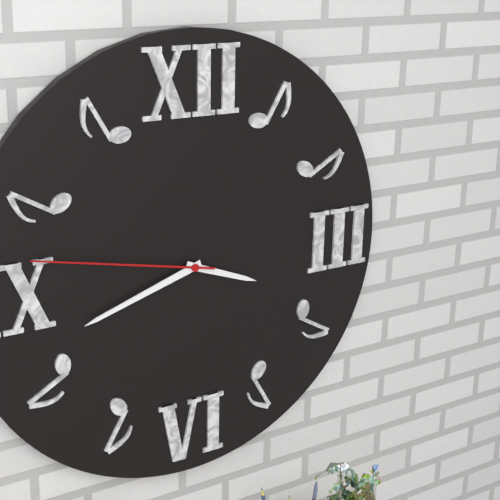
3 h 42 min 47 s
